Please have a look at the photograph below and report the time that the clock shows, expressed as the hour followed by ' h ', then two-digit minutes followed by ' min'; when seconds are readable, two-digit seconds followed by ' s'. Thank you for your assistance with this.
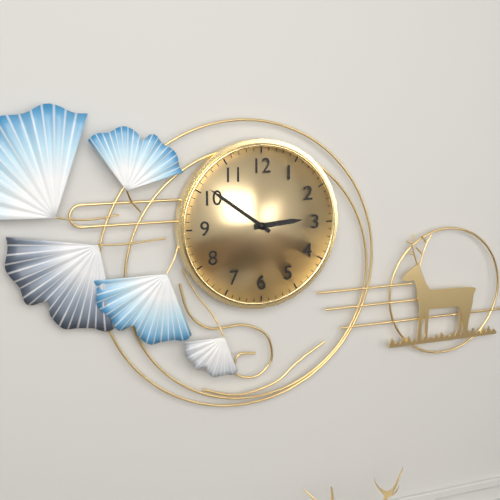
2 h 51 min
